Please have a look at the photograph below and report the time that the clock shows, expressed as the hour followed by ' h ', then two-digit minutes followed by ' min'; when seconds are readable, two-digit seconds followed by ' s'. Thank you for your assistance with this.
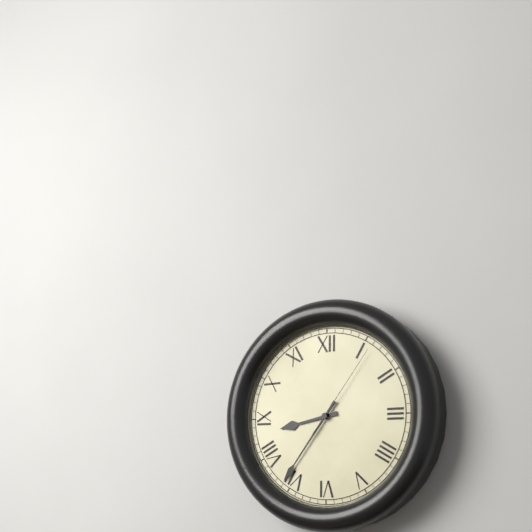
8 h 36 min 06 s
